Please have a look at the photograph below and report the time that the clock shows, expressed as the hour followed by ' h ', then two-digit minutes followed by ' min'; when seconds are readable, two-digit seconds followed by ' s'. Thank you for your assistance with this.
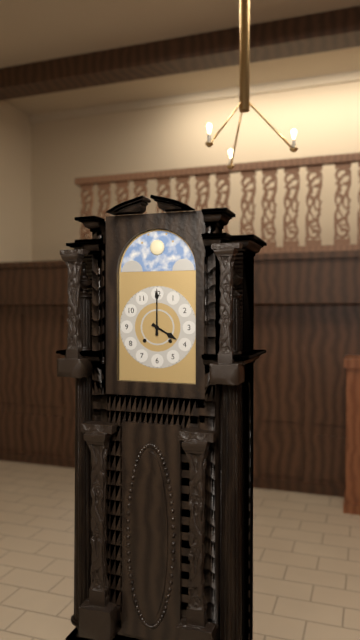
4 h 00 min
